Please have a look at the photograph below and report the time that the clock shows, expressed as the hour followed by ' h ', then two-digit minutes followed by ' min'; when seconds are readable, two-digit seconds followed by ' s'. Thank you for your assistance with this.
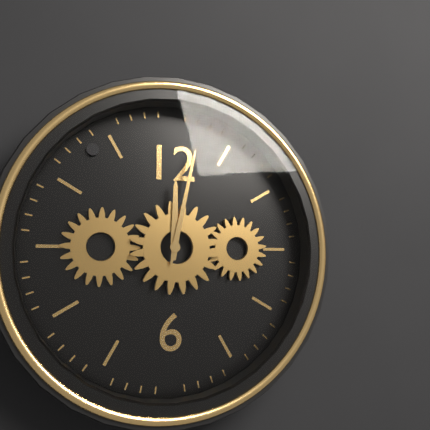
12 h 02 min
